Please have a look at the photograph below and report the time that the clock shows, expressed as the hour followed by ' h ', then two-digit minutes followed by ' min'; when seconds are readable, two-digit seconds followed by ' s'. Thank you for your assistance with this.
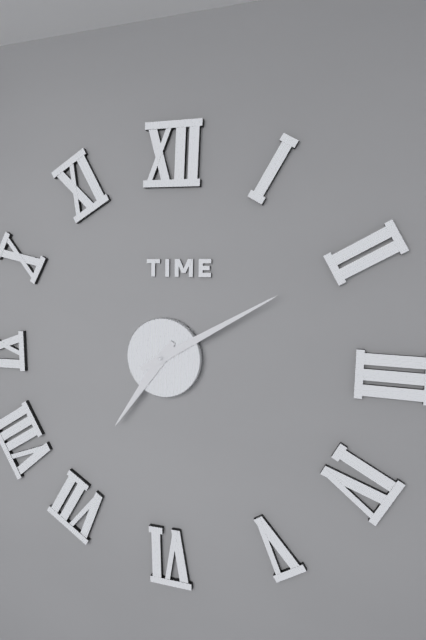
7 h 10 min
